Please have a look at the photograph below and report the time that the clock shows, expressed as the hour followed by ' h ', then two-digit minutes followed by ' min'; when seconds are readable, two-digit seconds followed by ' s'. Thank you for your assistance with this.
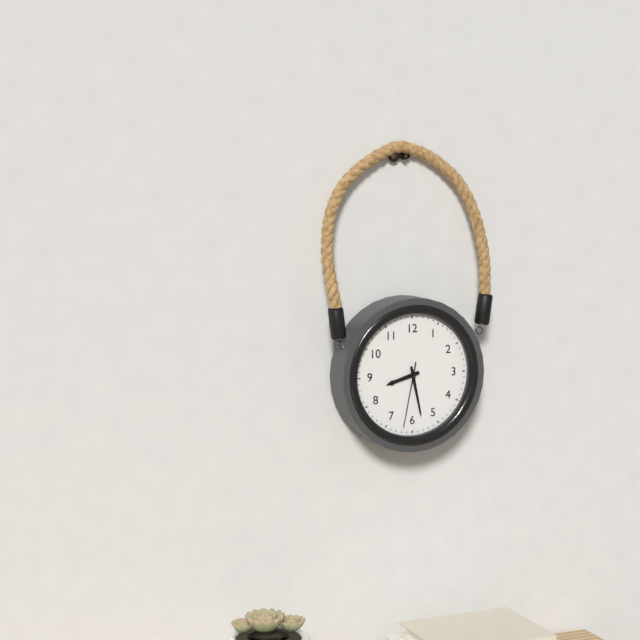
8 h 28 min 32 s
